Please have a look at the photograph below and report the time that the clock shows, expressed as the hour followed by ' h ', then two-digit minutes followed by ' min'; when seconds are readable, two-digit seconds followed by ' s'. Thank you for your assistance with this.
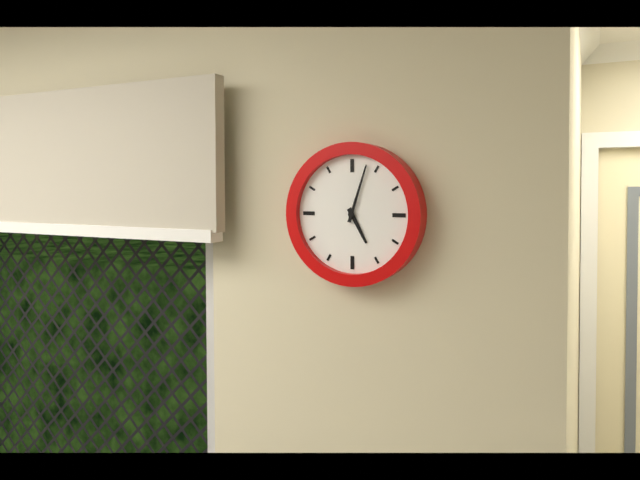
5 h 03 min
